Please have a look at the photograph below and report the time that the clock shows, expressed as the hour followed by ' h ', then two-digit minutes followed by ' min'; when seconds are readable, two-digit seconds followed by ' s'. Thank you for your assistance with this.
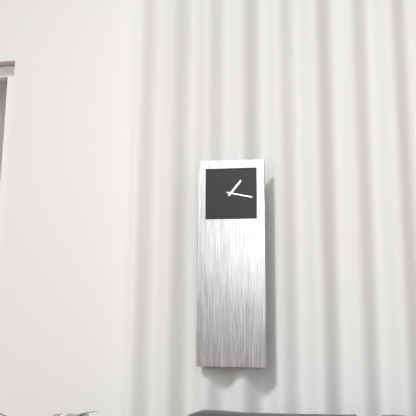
1 h 17 min
